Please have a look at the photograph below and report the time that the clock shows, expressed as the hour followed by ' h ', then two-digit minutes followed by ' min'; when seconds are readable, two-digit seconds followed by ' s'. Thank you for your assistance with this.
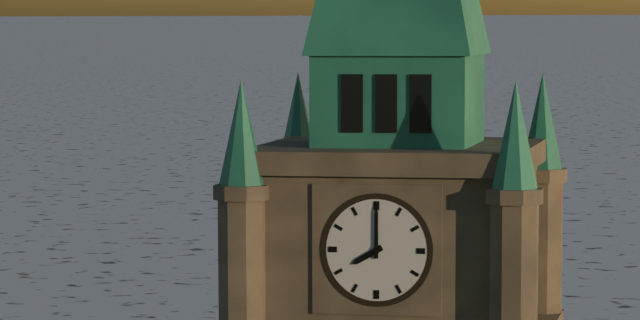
8 h 00 min
